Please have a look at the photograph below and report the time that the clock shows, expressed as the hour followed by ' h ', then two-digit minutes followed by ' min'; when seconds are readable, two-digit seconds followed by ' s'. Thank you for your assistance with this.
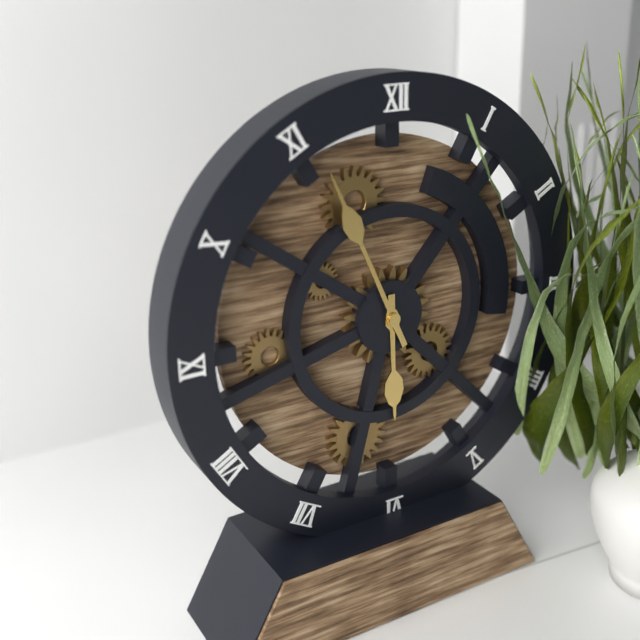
5 h 56 min
